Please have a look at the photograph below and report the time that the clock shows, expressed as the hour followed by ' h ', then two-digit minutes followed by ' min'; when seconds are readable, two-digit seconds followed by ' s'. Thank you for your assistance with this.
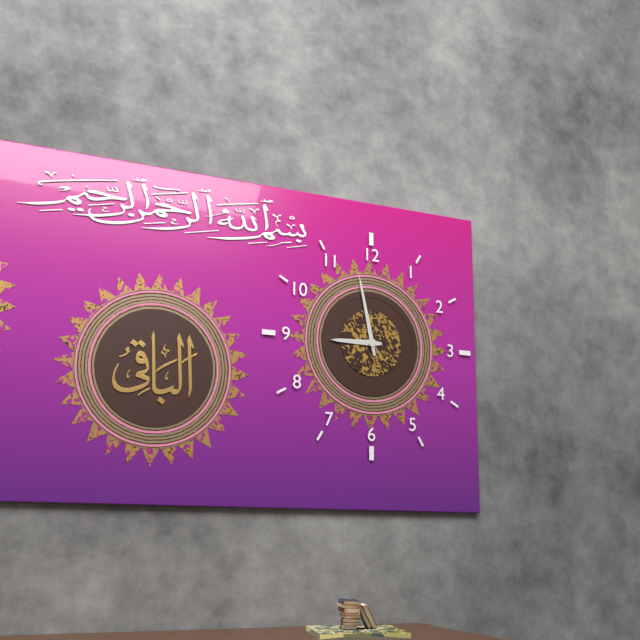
8 h 58 min
